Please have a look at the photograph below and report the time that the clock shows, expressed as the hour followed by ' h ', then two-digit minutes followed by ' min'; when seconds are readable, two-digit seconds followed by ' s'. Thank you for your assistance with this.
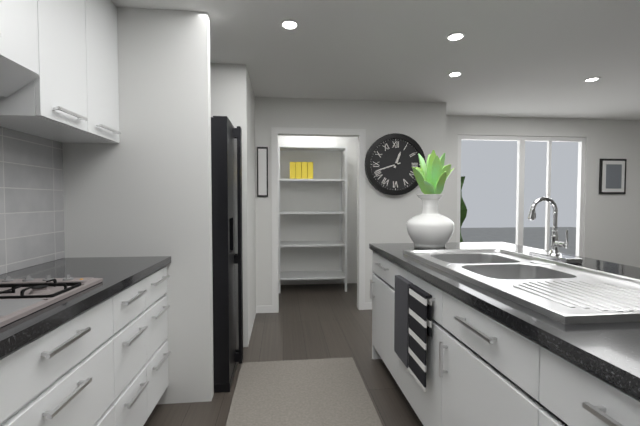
12 h 42 min
